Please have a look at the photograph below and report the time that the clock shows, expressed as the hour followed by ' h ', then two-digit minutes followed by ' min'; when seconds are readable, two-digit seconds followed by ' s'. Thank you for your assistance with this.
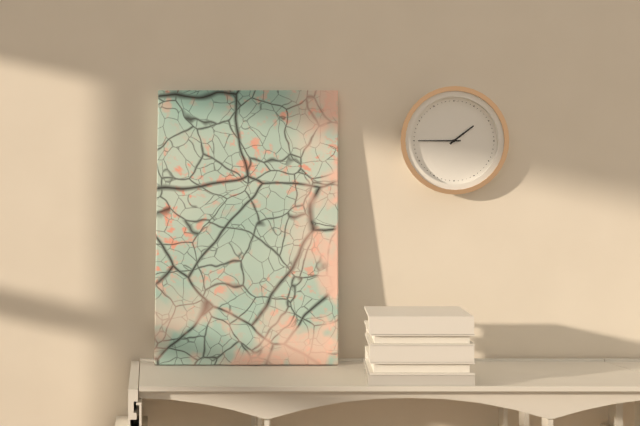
1 h 45 min
